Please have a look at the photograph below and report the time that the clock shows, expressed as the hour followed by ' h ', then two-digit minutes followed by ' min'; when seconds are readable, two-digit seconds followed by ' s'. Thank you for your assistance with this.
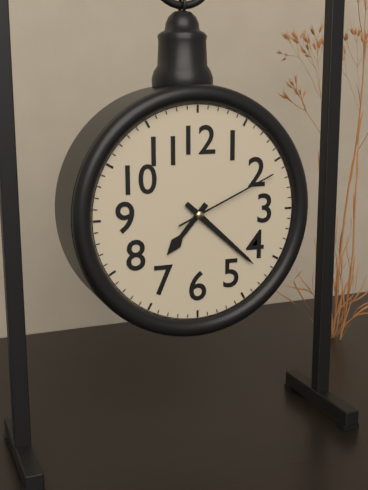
7 h 22 min 11 s
